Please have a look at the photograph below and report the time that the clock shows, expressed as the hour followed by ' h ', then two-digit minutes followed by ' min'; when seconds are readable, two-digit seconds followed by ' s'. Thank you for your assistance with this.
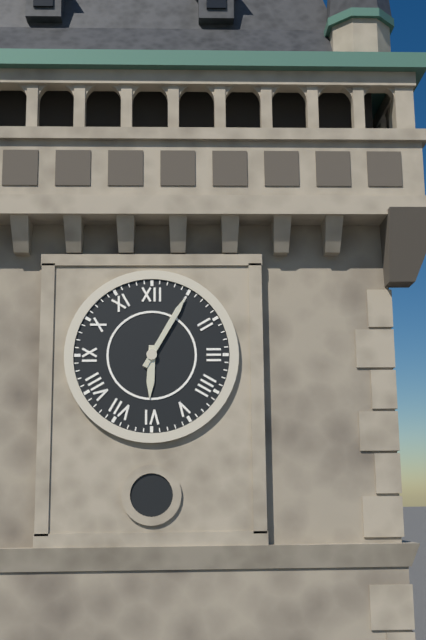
6 h 05 min
